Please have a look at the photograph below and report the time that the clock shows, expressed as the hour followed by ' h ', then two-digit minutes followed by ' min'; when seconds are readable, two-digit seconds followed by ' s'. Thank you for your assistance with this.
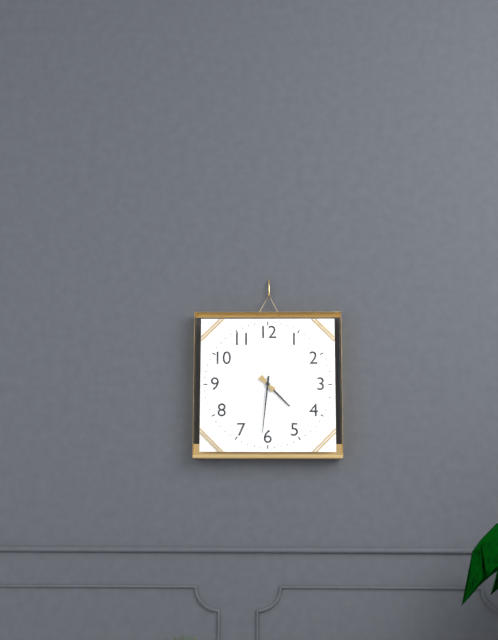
4 h 31 min
